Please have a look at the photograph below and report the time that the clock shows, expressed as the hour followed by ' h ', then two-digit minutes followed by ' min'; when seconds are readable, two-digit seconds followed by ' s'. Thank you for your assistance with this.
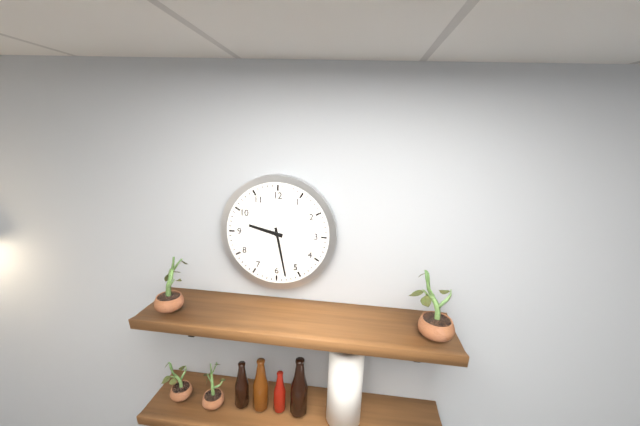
9 h 28 min
